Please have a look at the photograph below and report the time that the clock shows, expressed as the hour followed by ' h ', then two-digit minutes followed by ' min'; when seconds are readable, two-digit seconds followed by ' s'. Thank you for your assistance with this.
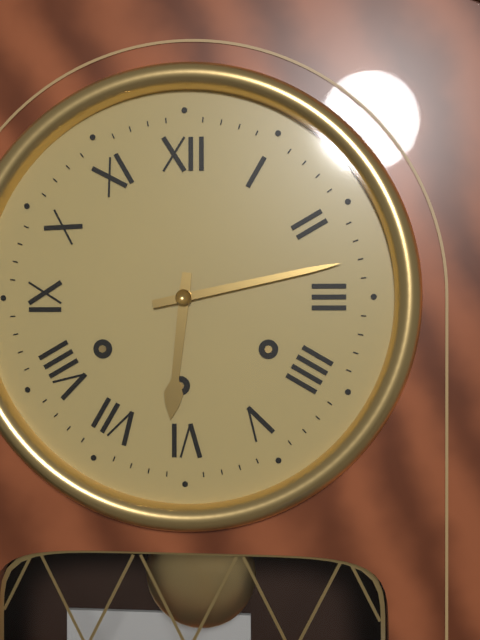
6 h 13 min
